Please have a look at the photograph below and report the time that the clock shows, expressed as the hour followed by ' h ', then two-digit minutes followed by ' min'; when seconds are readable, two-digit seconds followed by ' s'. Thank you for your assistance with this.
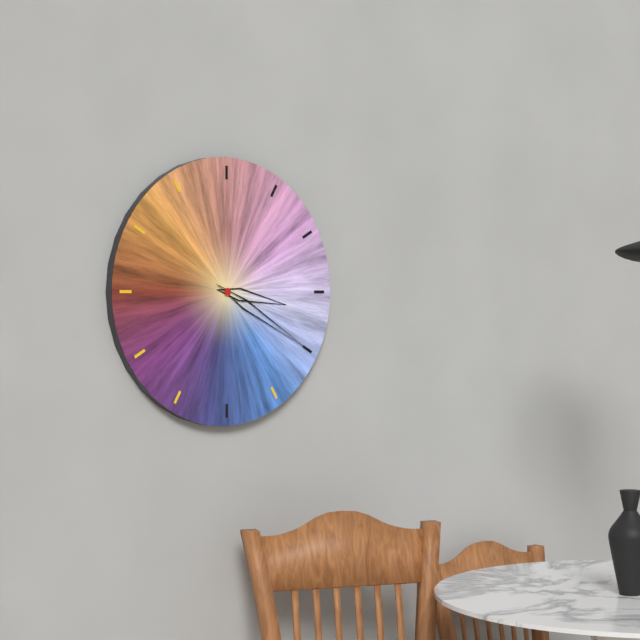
3 h 20 min
